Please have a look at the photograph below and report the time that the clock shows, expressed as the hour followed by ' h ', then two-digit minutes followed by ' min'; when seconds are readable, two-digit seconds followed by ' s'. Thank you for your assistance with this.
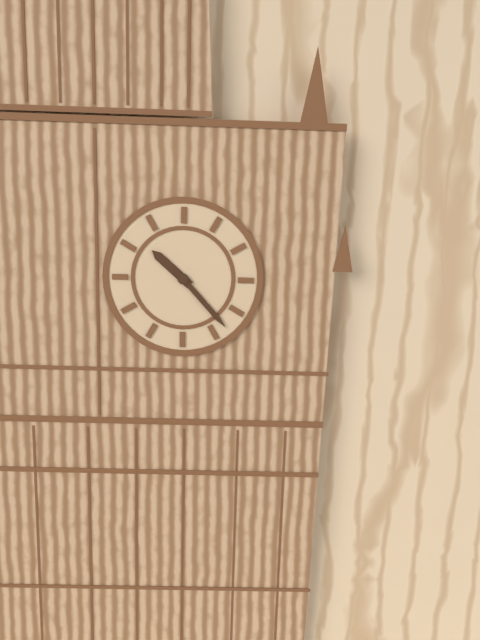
10 h 23 min
